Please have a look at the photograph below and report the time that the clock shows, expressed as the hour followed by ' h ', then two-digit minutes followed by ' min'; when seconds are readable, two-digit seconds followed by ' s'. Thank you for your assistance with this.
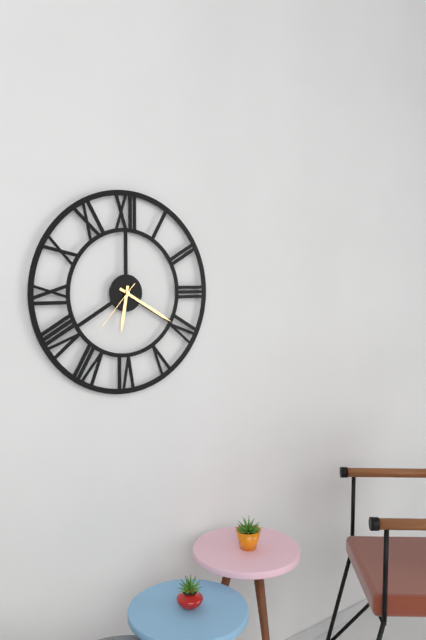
6 h 20 min 37 s
